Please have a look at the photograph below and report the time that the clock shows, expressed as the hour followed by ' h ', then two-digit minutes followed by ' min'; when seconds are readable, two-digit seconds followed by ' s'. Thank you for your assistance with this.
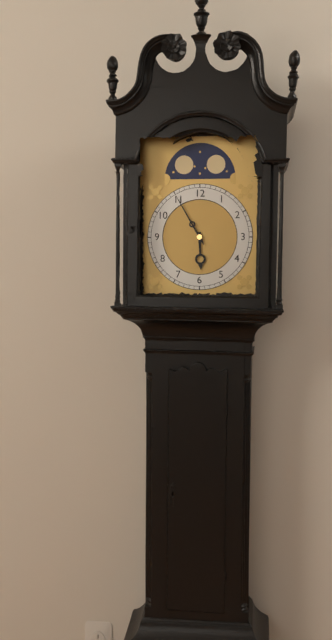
5 h 55 min
